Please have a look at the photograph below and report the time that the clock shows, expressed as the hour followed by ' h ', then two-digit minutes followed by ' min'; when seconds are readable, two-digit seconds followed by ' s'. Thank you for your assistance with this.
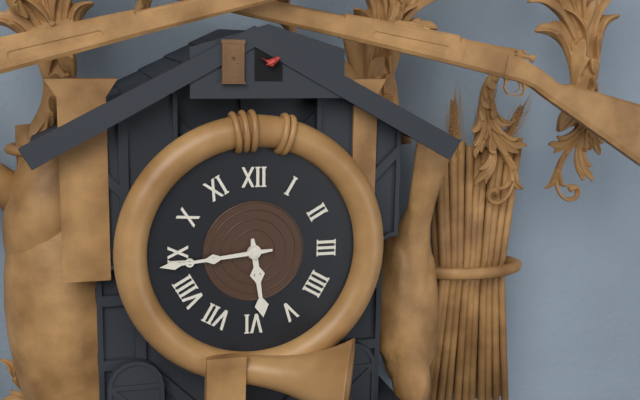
5 h 44 min
